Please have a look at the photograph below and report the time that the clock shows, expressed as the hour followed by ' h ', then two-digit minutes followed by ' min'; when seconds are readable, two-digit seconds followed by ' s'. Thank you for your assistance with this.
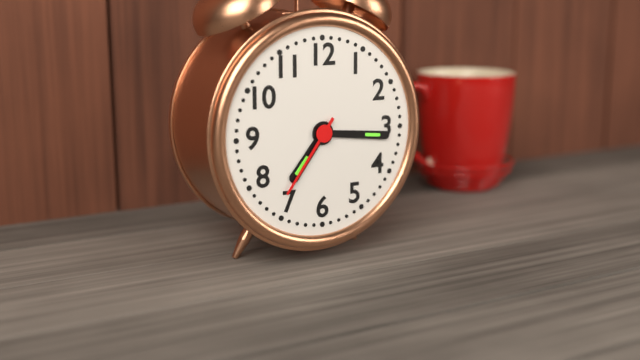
7 h 16 min 36 s
